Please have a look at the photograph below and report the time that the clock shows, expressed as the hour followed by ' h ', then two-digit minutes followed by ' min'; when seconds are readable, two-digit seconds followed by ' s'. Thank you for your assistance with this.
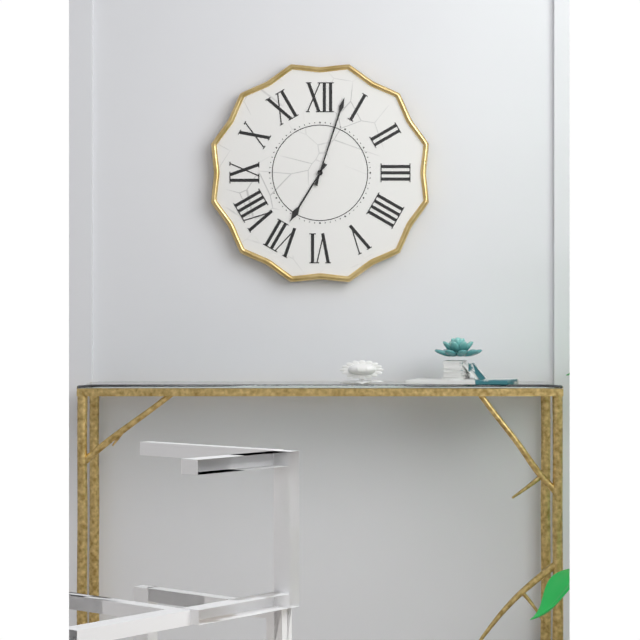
7 h 03 min
